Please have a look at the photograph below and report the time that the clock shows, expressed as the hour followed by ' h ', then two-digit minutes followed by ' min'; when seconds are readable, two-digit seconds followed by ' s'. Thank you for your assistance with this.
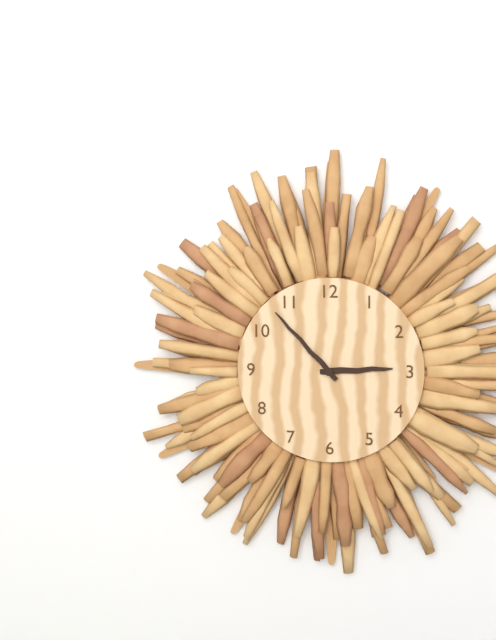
2 h 53 min
